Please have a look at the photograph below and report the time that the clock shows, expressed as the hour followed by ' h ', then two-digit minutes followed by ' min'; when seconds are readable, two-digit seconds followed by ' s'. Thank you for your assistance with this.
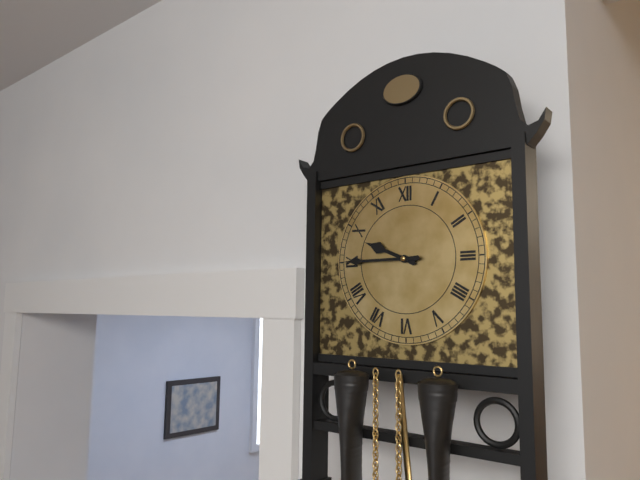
9 h 45 min
